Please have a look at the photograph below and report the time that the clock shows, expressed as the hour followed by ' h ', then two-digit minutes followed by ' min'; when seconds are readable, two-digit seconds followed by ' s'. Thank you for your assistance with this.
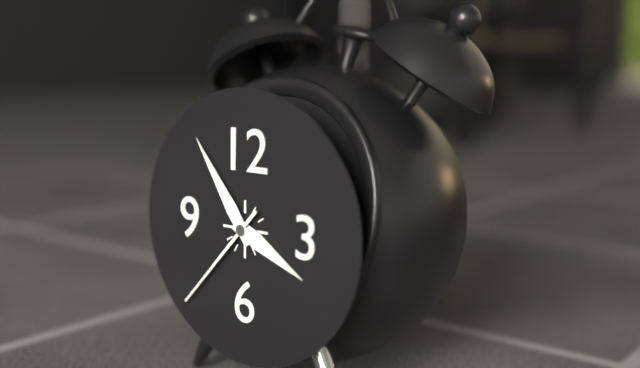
3 h 54 min 37 s
